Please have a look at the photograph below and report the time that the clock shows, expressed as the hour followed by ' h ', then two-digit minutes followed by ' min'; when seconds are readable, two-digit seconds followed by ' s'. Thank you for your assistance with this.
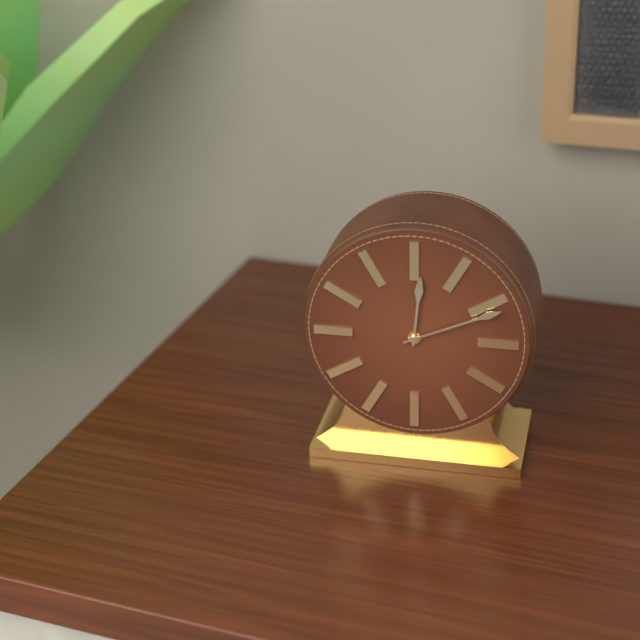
12 h 11 min
